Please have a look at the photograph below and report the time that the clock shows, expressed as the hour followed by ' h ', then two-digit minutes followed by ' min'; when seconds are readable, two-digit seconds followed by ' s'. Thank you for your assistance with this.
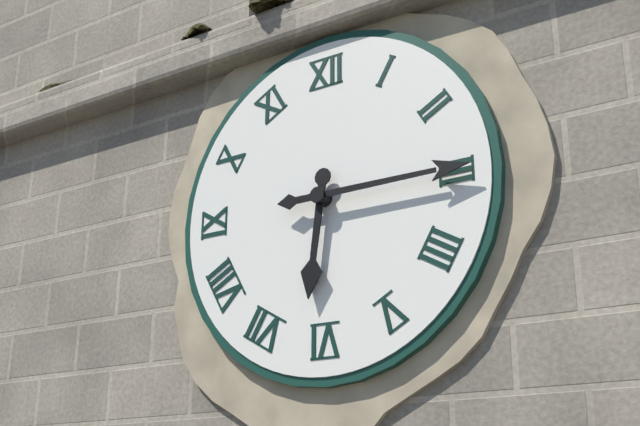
6 h 15 min
